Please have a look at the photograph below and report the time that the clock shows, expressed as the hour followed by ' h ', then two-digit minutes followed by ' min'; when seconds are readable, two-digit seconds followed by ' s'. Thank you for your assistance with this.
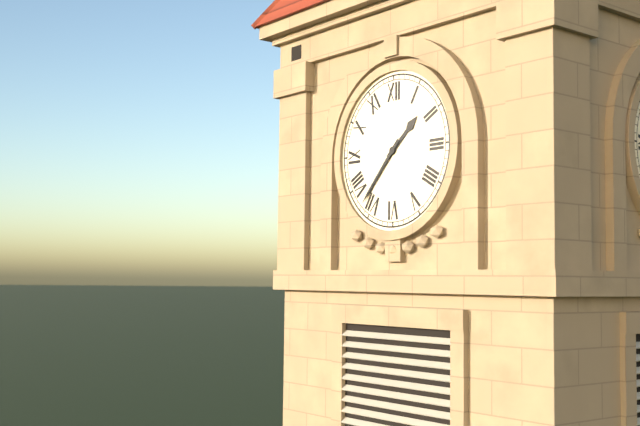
1 h 37 min
